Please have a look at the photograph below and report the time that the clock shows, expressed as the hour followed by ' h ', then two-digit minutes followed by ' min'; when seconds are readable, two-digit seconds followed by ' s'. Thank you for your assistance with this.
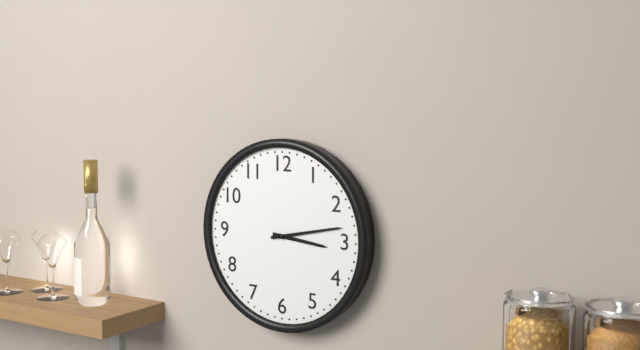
3 h 13 min
